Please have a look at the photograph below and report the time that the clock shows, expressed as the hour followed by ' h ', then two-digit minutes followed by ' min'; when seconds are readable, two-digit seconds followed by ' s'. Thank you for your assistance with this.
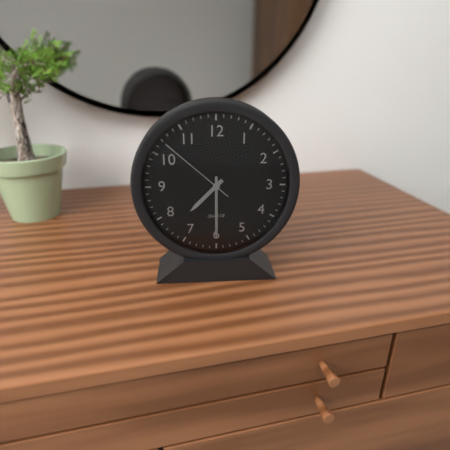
7 h 30 min 52 s
